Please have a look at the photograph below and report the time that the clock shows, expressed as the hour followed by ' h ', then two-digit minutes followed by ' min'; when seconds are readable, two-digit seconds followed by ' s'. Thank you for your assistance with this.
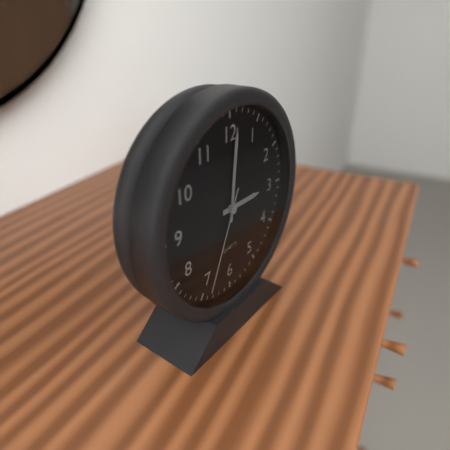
3 h 01 min 34 s
